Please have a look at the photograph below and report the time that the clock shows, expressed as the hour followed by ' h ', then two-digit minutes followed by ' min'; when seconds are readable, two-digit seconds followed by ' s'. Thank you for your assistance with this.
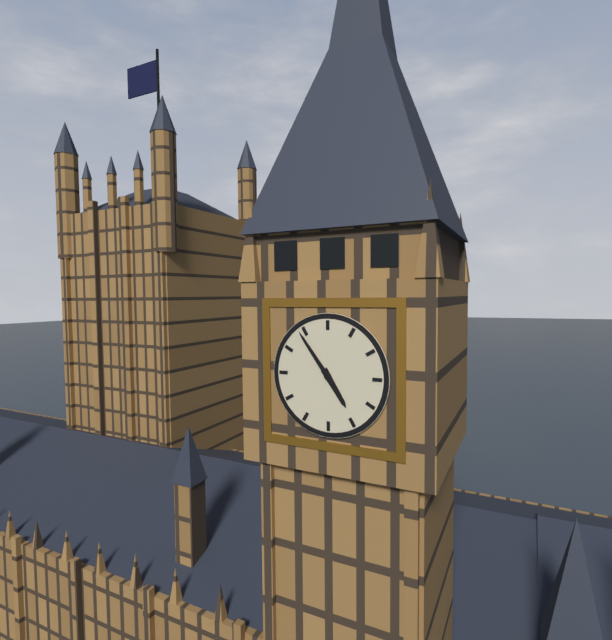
4 h 54 min
